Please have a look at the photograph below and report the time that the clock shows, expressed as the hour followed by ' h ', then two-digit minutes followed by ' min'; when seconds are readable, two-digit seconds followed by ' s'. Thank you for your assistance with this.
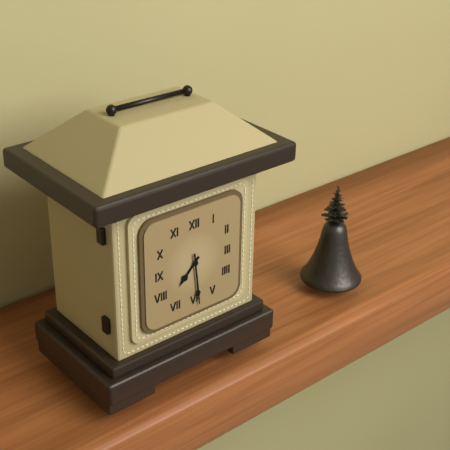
7 h 29 min
